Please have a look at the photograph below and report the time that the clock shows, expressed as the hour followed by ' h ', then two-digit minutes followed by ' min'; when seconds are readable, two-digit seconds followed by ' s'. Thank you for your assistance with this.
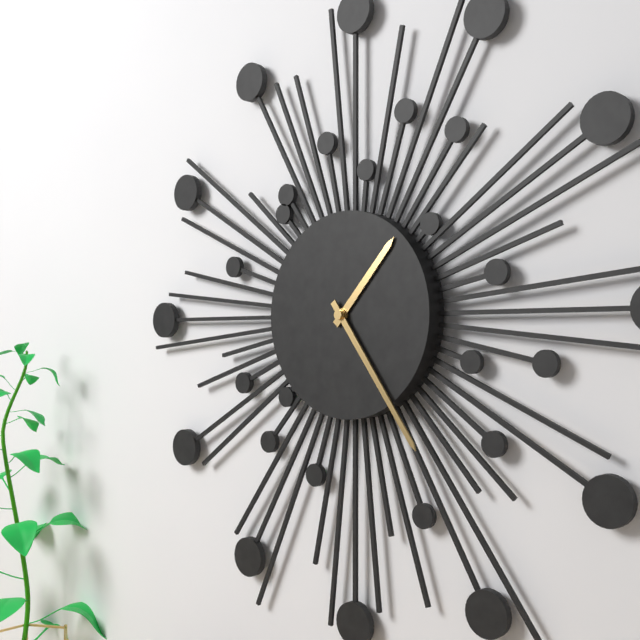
1 h 24 min
